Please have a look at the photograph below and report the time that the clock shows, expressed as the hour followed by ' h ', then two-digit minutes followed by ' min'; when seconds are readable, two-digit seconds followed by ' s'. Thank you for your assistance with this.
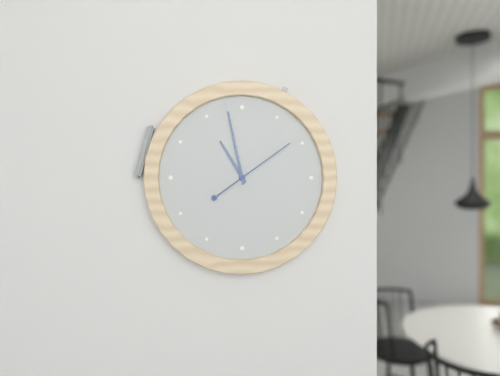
10 h 58 min 09 s
